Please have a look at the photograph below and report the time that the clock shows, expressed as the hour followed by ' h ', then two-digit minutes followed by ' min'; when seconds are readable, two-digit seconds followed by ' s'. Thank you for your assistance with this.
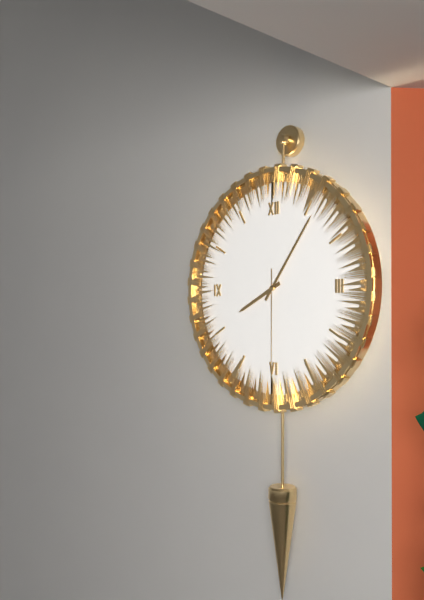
8 h 06 min 30 s
